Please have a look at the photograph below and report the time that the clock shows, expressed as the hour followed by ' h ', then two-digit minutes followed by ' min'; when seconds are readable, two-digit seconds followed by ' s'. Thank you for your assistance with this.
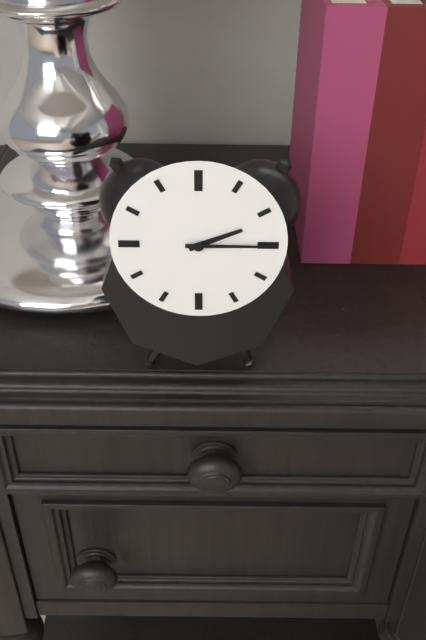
2 h 15 min
